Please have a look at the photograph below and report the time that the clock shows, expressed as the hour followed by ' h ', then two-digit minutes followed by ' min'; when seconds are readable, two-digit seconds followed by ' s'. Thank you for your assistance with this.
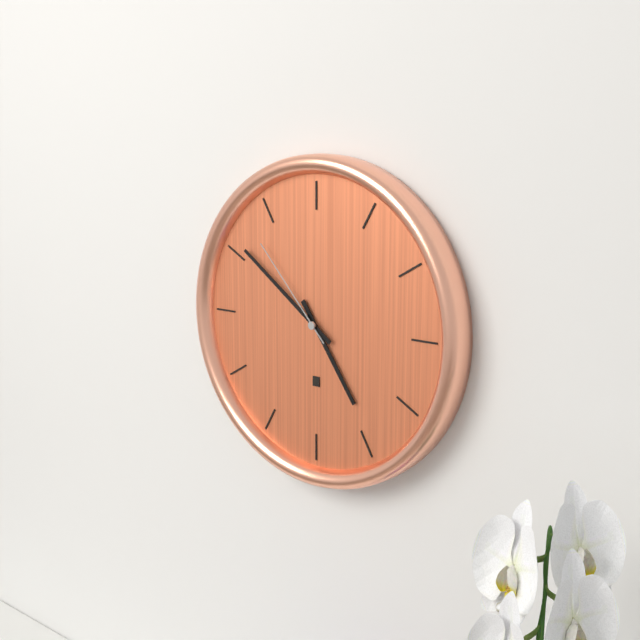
4 h 51 min 53 s
